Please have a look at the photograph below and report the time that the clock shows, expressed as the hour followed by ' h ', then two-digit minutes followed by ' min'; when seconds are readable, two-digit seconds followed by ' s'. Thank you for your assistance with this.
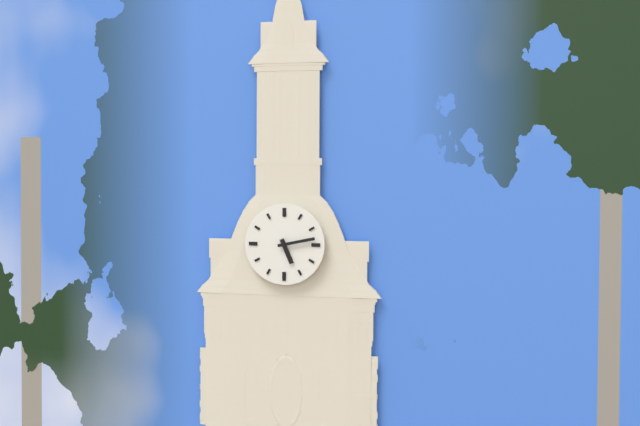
5 h 13 min
